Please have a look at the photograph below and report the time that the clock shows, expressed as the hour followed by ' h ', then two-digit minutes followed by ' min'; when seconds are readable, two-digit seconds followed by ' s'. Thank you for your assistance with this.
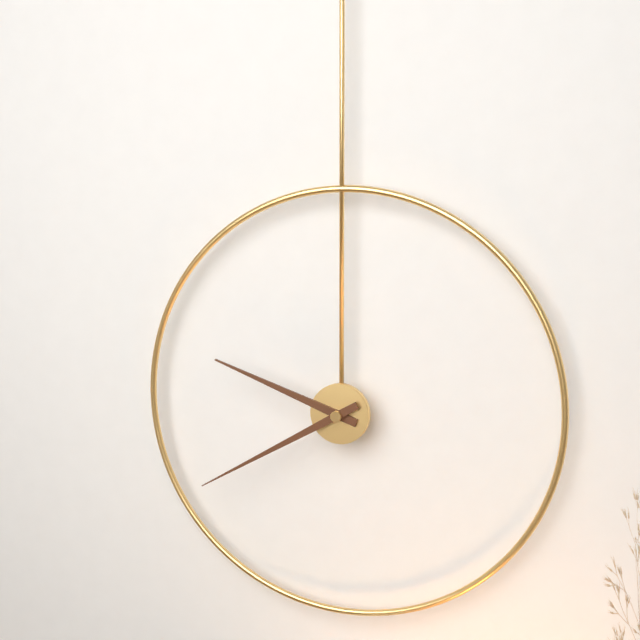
9 h 40 min
